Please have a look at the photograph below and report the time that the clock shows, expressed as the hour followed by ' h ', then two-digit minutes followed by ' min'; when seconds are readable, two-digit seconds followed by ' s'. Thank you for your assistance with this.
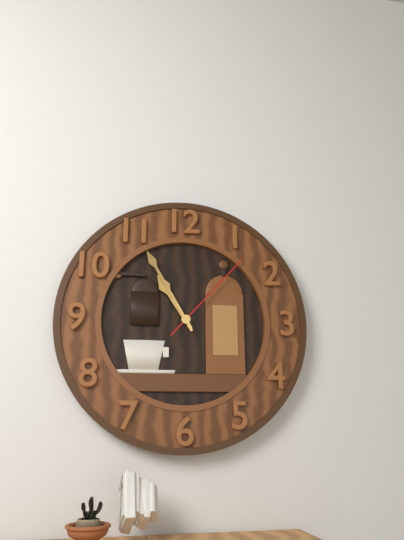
10 h 55 min 07 s
